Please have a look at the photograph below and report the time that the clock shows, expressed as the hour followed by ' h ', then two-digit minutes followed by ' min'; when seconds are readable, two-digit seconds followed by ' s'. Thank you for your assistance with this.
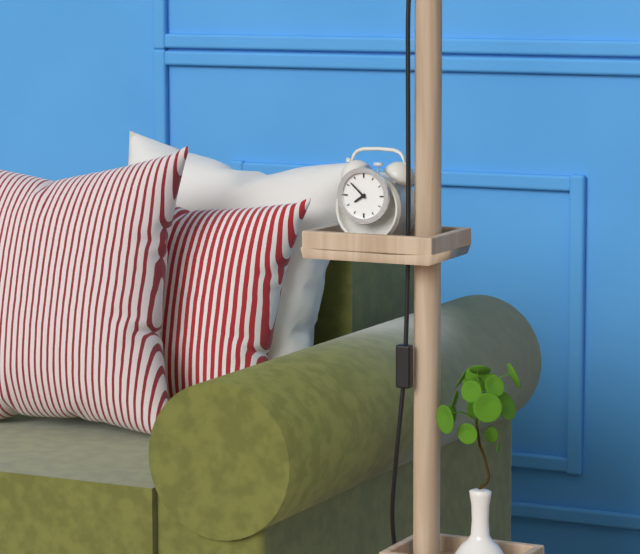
7 h 52 min
